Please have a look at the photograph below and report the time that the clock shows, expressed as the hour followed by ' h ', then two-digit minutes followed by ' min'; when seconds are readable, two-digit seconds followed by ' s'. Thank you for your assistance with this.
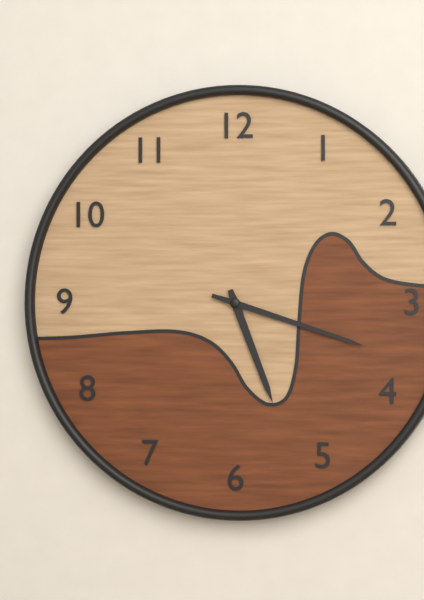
5 h 18 min
